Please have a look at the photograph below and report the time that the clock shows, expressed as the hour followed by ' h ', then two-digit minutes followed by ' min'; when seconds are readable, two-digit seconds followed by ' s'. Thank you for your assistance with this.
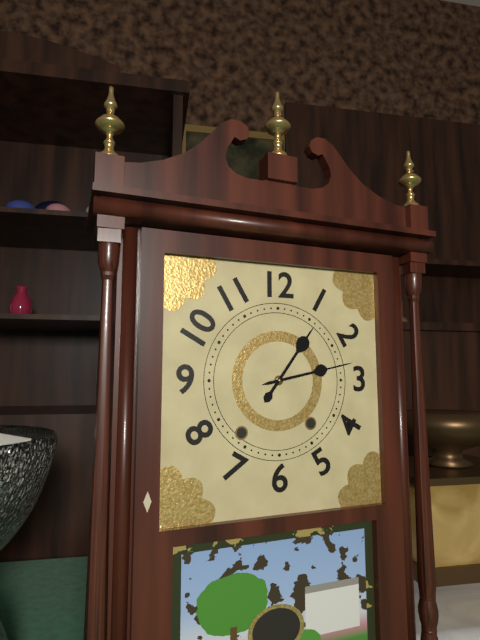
1 h 13 min
